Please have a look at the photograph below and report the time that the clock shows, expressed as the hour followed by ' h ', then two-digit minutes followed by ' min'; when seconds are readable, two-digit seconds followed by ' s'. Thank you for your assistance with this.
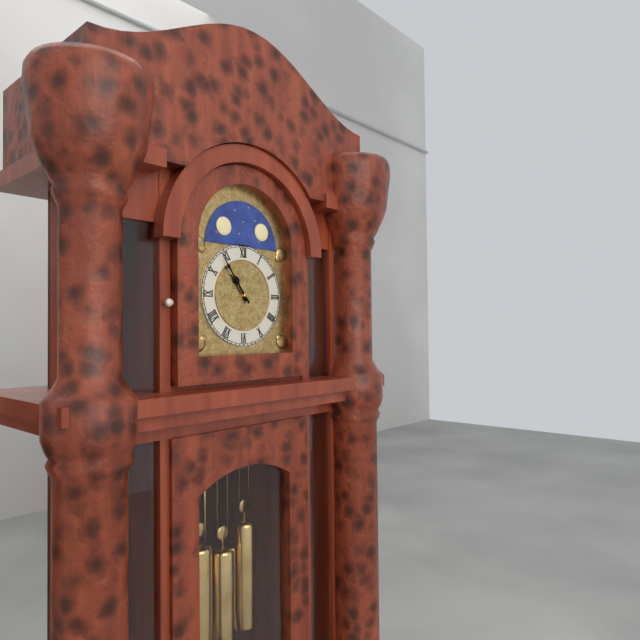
10 h 54 min
